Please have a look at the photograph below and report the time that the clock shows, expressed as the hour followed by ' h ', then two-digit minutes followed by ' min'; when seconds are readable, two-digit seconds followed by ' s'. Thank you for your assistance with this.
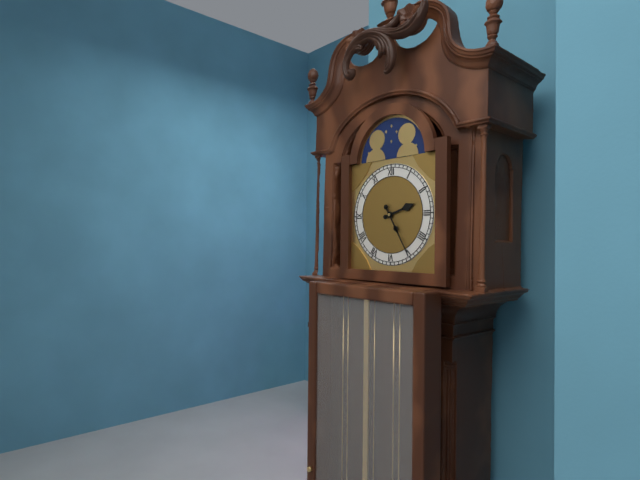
2 h 25 min
